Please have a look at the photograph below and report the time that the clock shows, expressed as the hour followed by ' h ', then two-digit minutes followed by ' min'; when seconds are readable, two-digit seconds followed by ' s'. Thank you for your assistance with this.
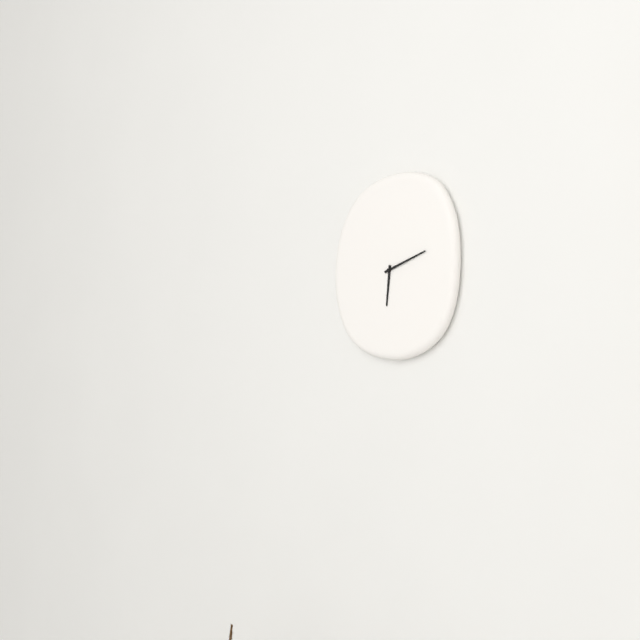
6 h 12 min
